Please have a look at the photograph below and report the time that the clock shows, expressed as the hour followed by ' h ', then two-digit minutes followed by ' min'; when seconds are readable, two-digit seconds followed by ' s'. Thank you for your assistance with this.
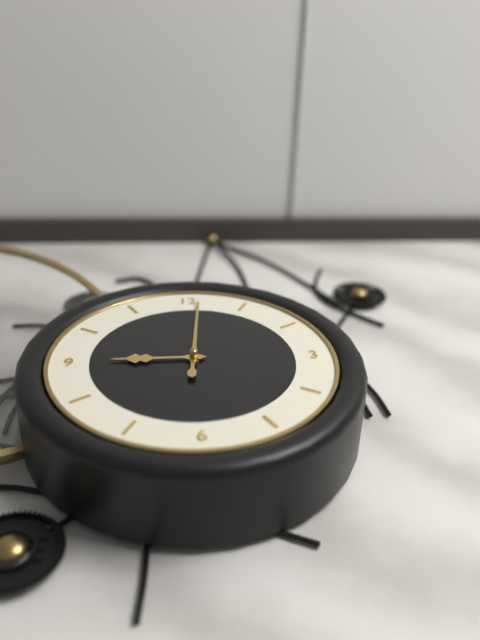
9 h 01 min
